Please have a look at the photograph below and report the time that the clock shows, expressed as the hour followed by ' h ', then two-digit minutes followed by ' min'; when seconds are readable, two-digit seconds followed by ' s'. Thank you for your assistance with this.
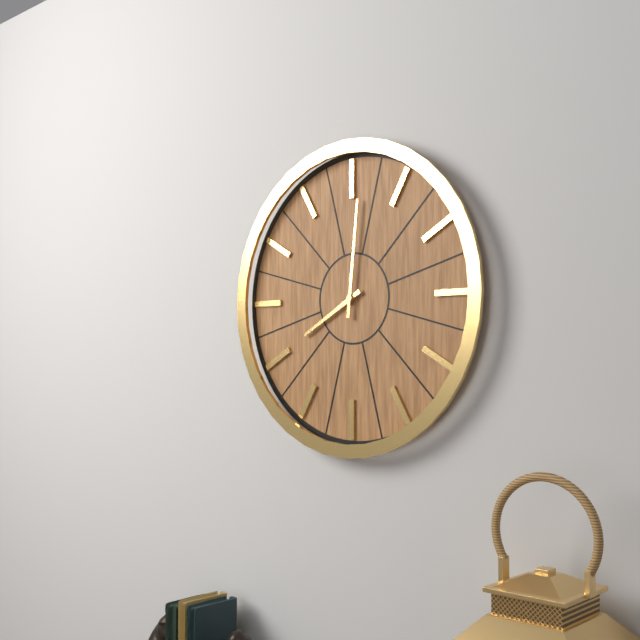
8 h 01 min
